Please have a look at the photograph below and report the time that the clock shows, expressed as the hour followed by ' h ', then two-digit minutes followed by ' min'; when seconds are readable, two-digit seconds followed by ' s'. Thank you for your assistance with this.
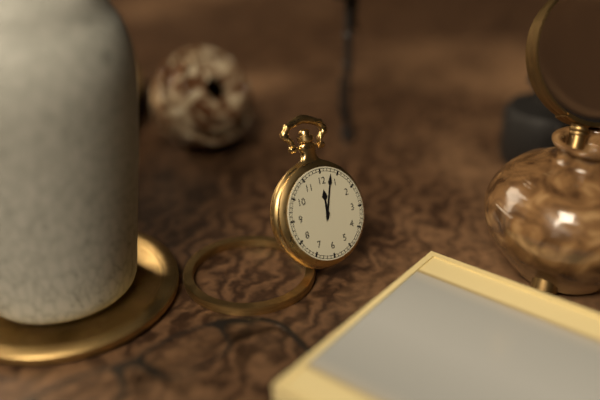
12 h 03 min
